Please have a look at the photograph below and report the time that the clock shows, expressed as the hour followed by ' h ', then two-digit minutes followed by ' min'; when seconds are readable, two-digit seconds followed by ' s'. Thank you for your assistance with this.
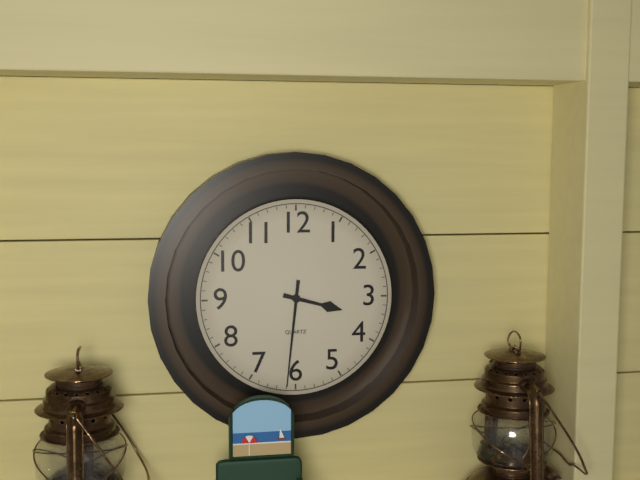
3 h 31 min
